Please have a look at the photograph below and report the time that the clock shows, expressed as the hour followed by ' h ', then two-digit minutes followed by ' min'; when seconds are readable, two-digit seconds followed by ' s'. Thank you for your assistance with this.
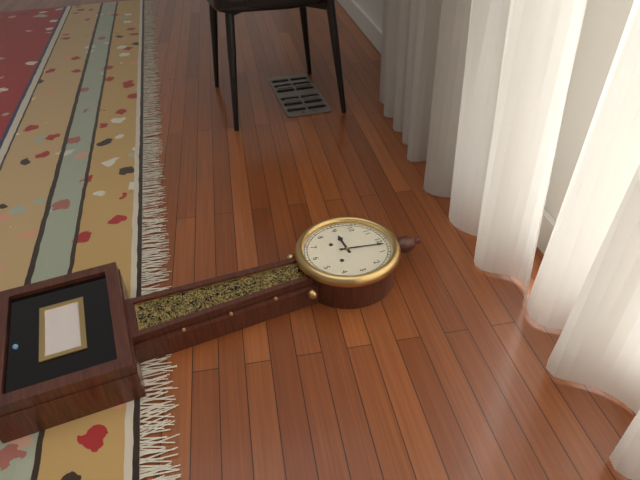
9 h 02 min
